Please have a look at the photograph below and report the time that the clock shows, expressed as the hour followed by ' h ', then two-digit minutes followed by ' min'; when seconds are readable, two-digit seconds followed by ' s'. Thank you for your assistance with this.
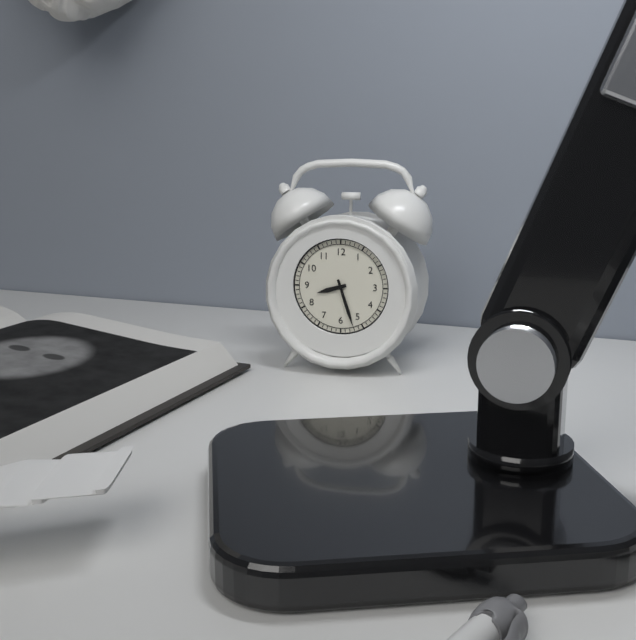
8 h 27 min
